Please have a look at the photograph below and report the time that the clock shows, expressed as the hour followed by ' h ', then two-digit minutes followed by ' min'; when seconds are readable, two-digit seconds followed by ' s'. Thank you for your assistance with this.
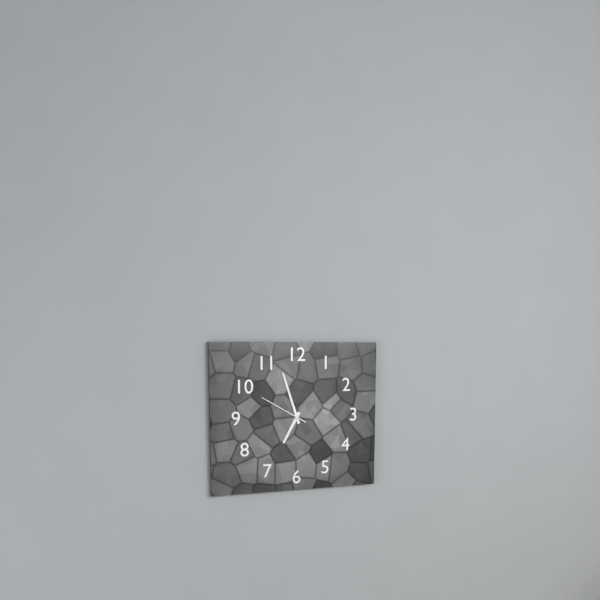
6 h 57 min 50 s
